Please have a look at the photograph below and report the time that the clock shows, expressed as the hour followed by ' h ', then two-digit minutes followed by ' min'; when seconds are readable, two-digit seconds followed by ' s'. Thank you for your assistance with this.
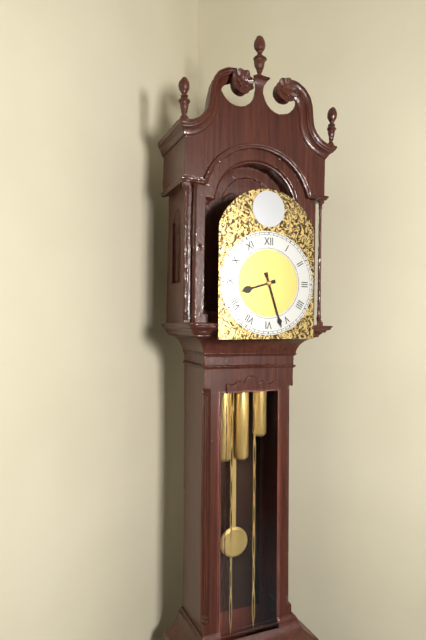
8 h 27 min
